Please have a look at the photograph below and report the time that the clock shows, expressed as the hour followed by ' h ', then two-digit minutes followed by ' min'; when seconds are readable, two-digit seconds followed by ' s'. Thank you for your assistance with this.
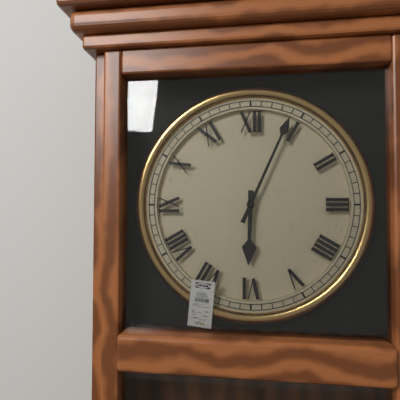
6 h 04 min
